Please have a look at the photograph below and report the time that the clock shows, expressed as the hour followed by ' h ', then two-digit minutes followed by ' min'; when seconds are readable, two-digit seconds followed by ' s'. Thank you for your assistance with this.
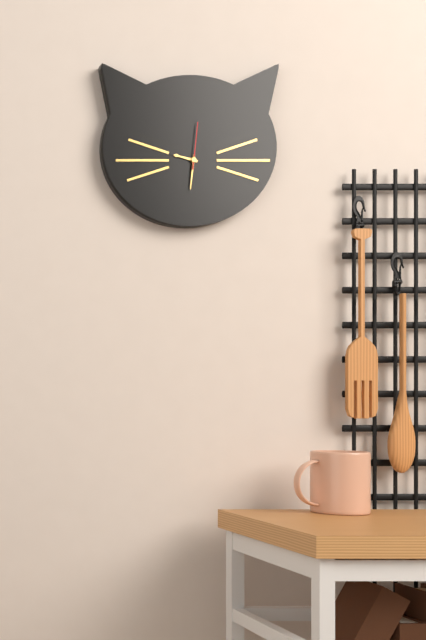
9 h 31 min 01 s
